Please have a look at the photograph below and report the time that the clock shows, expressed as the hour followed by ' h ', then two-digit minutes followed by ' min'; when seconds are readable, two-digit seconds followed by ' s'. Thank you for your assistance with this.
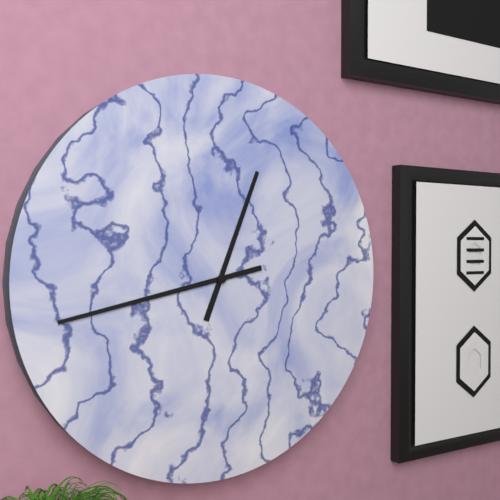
12 h 43 min
